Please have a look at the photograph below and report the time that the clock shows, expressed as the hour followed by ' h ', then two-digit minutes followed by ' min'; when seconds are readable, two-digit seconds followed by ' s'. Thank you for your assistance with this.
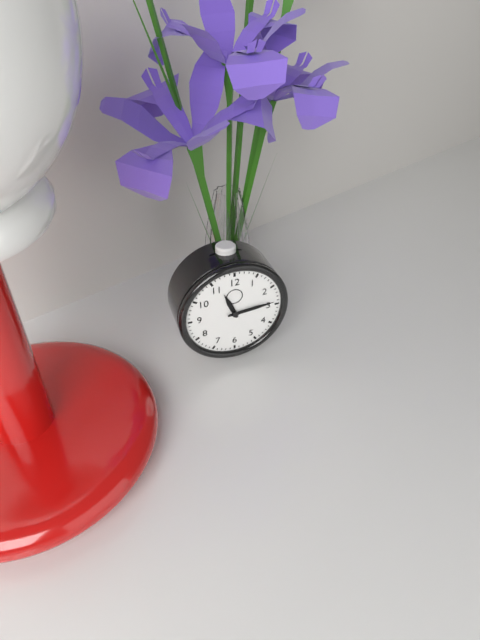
11 h 14 min
